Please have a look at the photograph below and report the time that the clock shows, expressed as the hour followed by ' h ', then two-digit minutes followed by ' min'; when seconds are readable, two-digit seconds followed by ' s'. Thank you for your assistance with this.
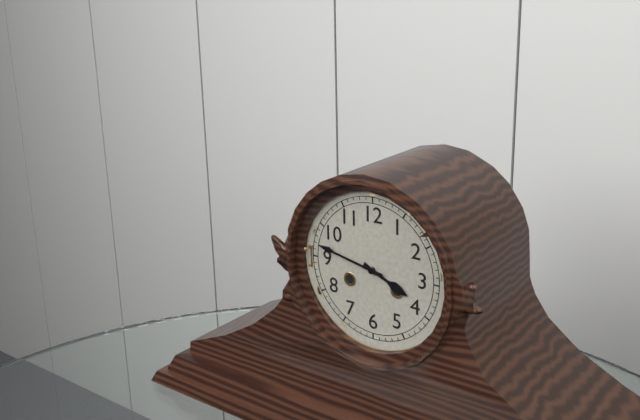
3 h 47 min
